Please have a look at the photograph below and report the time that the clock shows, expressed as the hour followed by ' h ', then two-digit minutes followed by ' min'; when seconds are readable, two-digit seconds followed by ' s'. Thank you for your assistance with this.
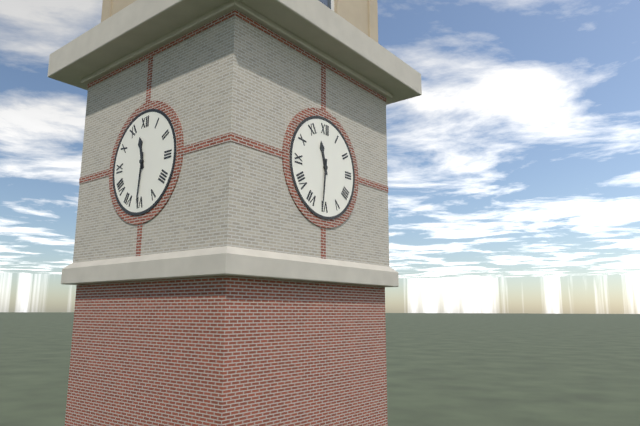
11 h 31 min
